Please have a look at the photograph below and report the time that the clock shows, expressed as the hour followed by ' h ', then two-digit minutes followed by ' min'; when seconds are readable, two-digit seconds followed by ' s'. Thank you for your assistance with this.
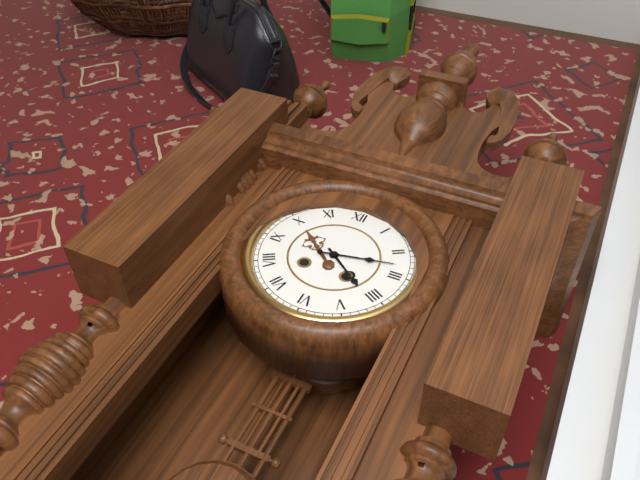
4 h 13 min
